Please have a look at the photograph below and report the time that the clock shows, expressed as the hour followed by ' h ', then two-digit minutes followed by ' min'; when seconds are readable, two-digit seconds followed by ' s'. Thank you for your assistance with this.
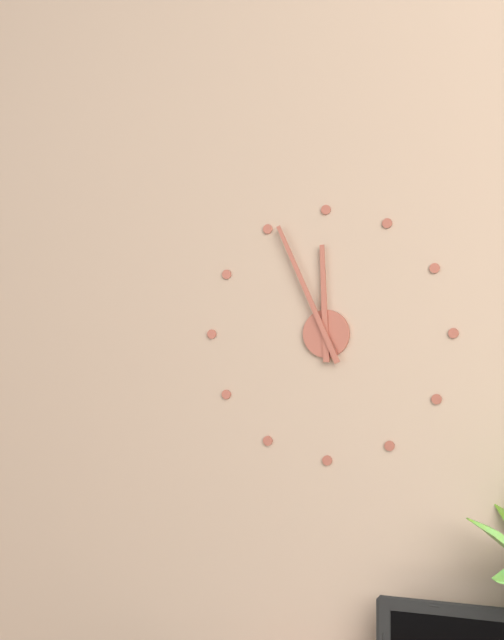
11 h 56 min
